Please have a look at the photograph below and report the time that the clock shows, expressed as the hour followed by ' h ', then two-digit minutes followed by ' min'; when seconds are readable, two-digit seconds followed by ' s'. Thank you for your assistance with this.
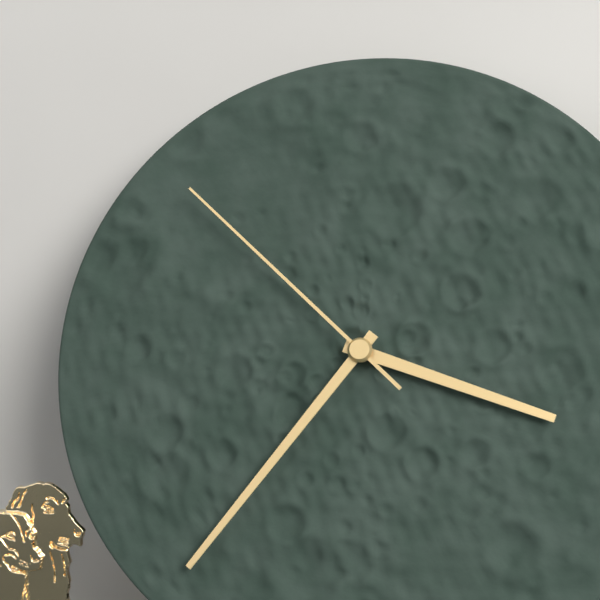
3 h 36 min 52 s
